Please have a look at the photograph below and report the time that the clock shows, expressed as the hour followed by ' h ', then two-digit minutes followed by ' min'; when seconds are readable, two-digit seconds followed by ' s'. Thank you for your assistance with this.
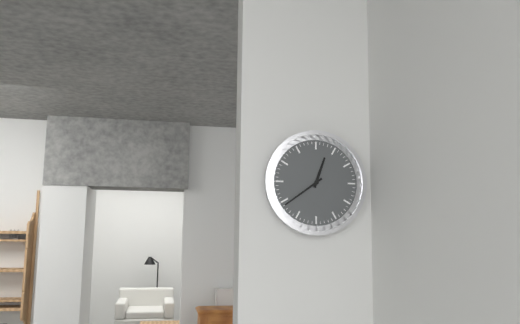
12 h 39 min
